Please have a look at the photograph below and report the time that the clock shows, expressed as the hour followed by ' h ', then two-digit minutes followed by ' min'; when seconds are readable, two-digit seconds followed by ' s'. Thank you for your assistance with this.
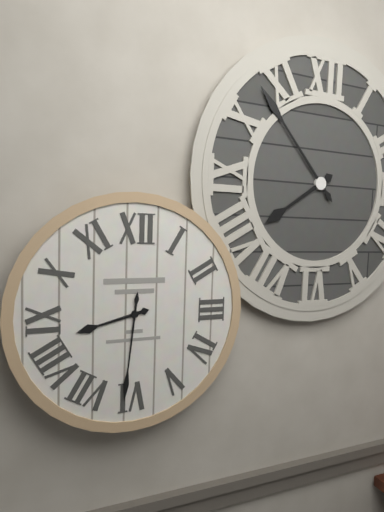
8 h 31 min
